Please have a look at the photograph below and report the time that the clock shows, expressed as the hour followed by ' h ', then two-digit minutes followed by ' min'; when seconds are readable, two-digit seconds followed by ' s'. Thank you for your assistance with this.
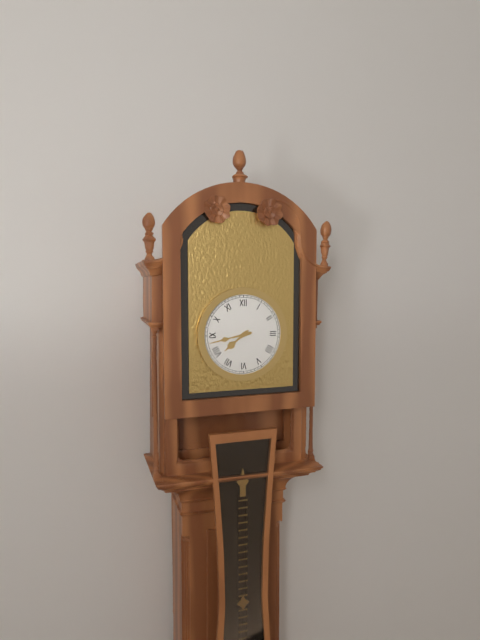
7 h 43 min
